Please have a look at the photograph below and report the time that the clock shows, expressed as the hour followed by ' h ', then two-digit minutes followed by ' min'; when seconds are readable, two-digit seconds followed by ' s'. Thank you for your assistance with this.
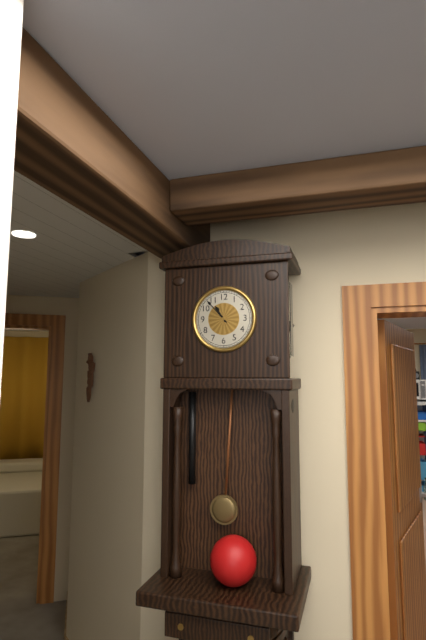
10 h 53 min
